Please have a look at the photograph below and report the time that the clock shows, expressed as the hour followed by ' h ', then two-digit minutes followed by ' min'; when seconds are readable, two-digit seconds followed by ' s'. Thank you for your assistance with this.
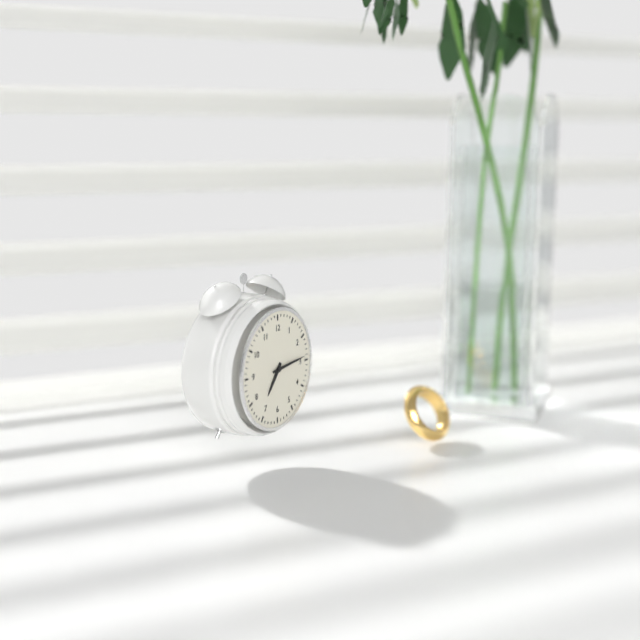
7 h 14 min
